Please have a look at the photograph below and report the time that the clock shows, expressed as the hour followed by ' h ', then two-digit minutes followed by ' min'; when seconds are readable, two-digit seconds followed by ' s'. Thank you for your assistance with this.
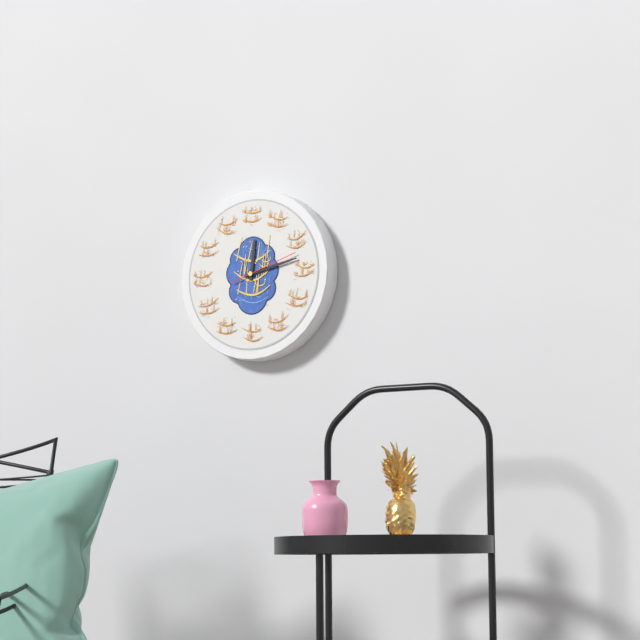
12 h 13 min 12 s
